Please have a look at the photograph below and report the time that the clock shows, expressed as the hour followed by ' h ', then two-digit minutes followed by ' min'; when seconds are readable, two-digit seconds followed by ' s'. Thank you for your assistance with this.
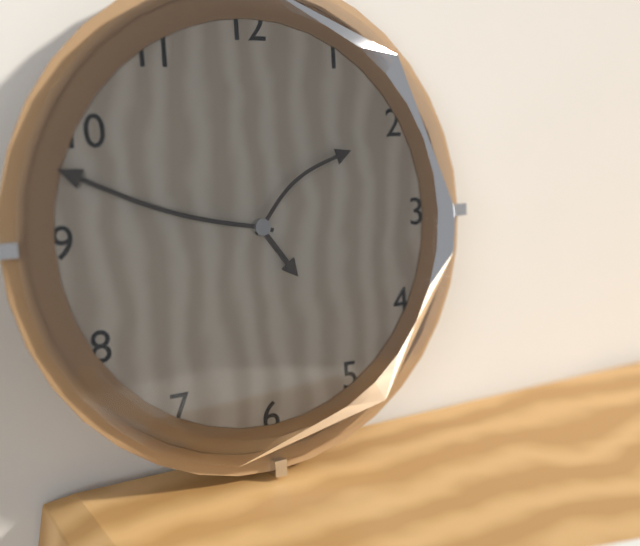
4 h 48 min 09 s
